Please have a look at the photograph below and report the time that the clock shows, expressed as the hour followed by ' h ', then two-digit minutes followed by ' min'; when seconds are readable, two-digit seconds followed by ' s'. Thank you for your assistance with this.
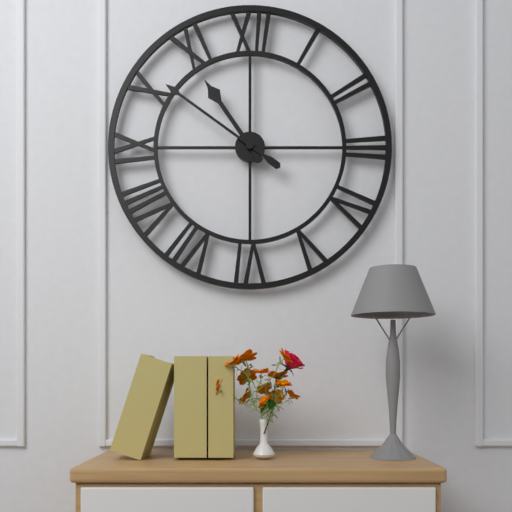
10 h 51 min
